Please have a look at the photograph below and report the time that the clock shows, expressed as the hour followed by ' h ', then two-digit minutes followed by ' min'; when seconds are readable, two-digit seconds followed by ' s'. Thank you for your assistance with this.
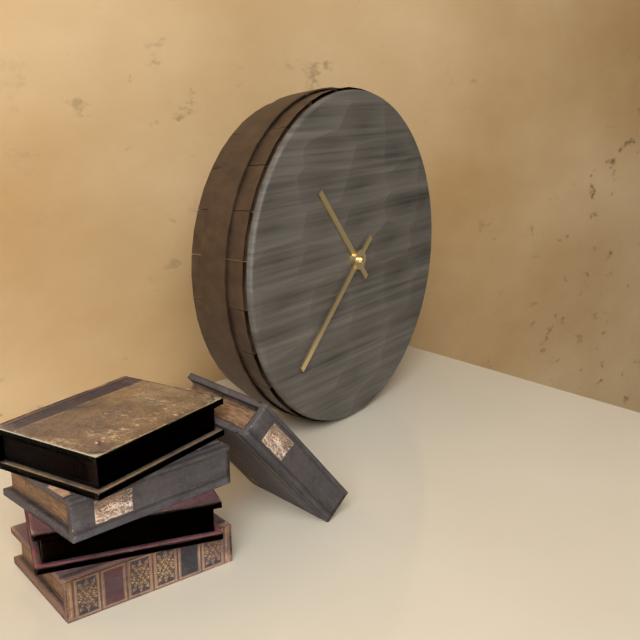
10 h 38 min
